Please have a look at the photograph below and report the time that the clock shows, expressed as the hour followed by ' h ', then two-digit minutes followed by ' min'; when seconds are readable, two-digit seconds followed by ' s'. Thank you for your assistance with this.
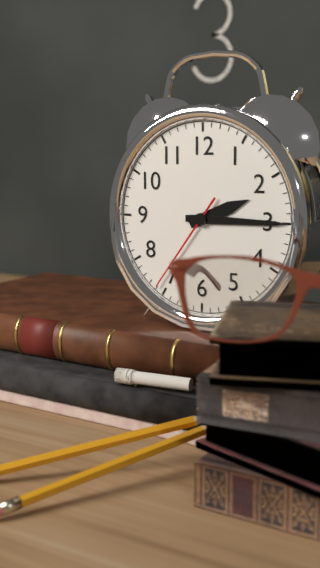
2 h 15 min 36 s
